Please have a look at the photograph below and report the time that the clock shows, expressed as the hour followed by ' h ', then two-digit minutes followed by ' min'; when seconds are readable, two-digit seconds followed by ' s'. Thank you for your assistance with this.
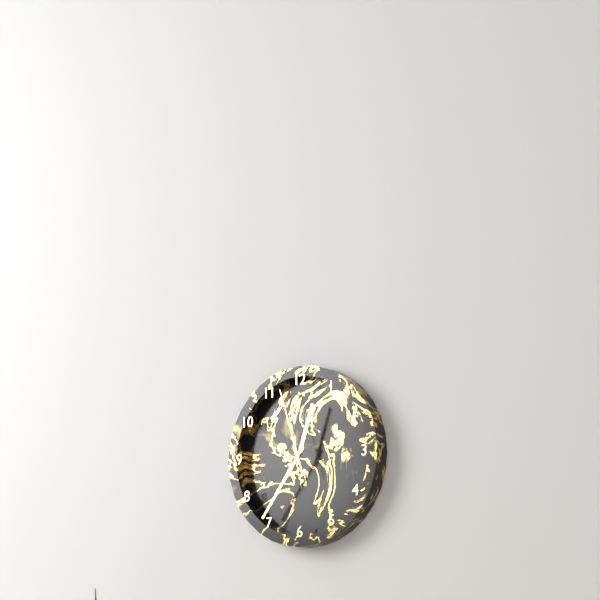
12 h 36 min 57 s
